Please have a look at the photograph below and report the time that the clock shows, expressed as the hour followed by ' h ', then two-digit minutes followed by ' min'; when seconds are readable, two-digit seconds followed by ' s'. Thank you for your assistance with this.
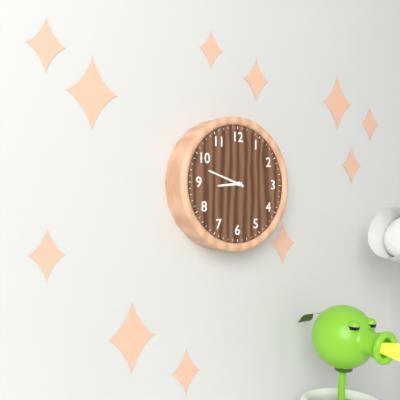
8 h 48 min
